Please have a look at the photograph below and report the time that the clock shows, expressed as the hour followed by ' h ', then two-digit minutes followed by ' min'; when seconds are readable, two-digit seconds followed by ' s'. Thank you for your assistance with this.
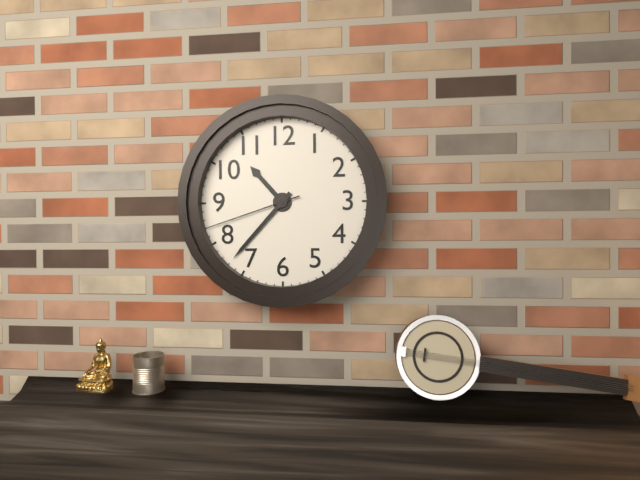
10 h 37 min 42 s
